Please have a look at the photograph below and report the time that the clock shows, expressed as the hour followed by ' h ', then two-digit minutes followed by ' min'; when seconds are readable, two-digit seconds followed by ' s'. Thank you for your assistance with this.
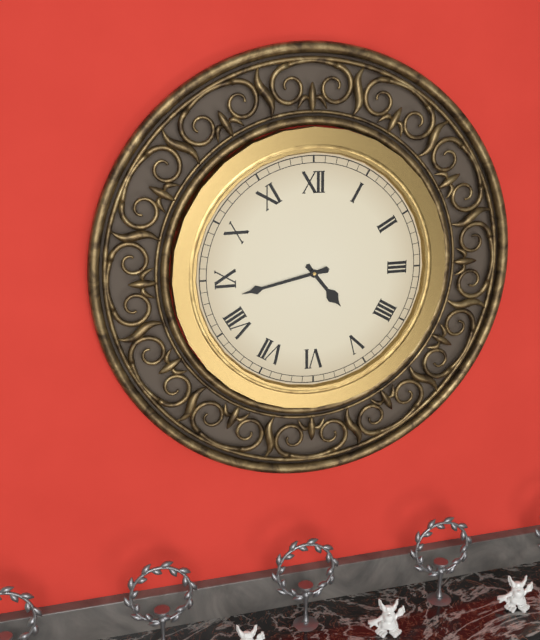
4 h 43 min
